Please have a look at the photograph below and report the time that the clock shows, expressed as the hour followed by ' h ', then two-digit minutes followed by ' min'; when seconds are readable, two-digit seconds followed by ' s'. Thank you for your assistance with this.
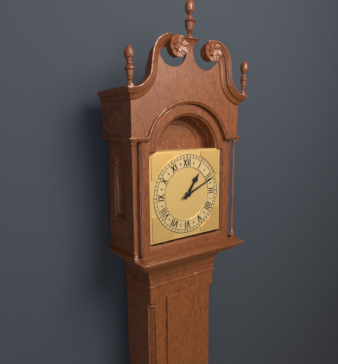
1 h 11 min
